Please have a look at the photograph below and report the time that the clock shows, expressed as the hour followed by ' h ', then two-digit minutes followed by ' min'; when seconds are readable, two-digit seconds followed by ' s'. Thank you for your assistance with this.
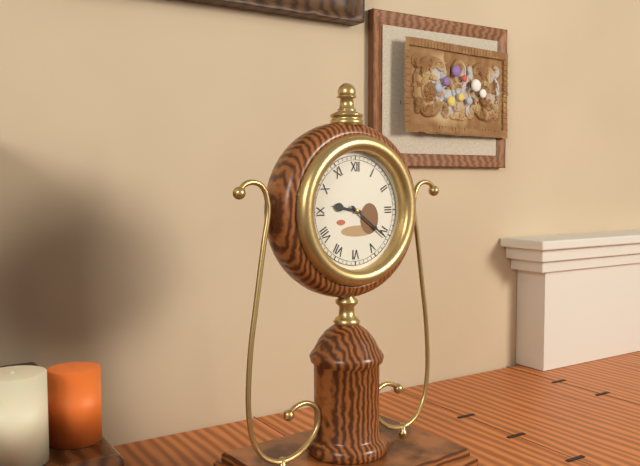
9 h 21 min
